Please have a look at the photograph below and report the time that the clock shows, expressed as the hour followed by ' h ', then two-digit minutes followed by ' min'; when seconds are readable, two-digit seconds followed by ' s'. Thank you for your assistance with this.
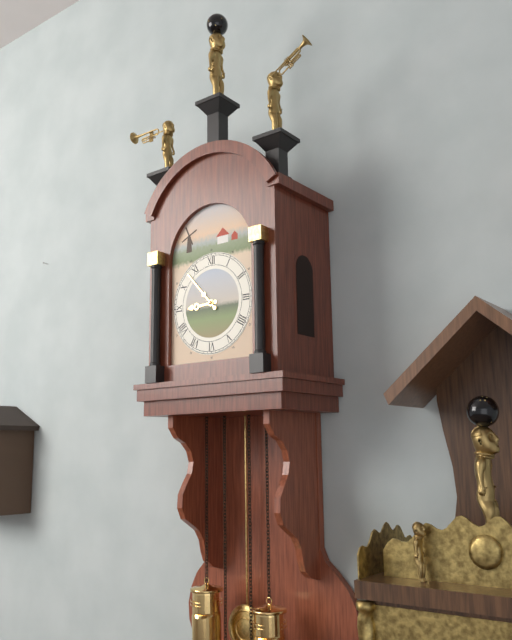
8 h 53 min
